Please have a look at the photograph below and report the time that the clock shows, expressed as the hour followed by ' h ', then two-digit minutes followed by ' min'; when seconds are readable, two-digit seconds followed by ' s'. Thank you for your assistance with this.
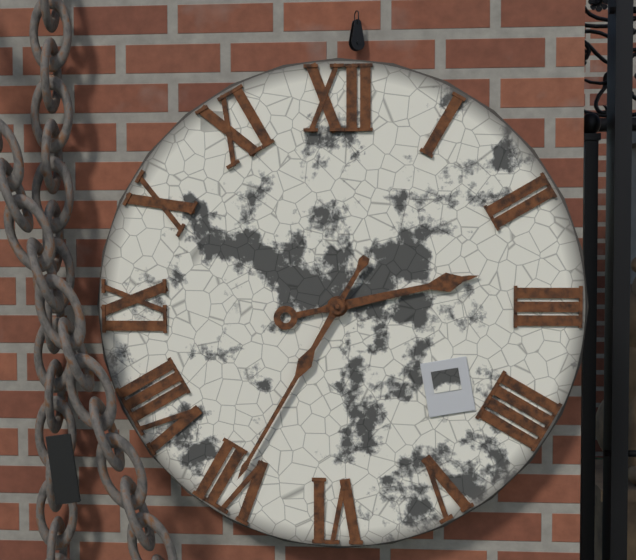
2 h 35 min
